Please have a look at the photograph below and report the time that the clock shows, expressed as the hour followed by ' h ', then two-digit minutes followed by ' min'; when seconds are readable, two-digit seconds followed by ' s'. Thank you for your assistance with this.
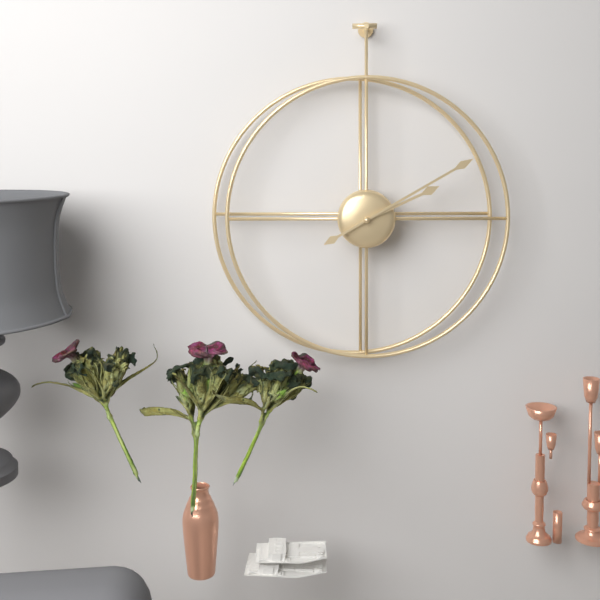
2 h 10 min
